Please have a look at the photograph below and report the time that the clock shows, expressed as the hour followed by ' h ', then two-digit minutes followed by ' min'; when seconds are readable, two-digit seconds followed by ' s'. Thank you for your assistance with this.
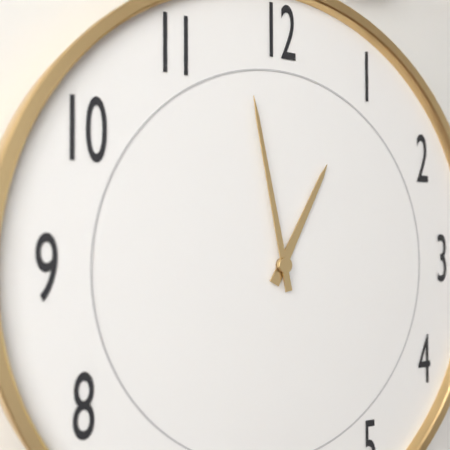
12 h 58 min
